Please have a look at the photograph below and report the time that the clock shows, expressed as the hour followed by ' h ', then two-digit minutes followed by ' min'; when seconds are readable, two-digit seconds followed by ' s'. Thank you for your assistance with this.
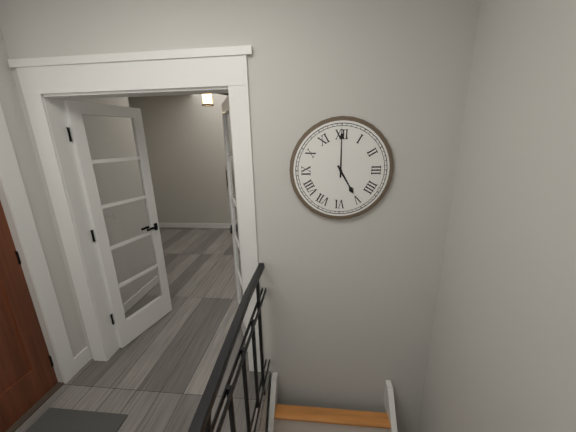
5 h 00 min
